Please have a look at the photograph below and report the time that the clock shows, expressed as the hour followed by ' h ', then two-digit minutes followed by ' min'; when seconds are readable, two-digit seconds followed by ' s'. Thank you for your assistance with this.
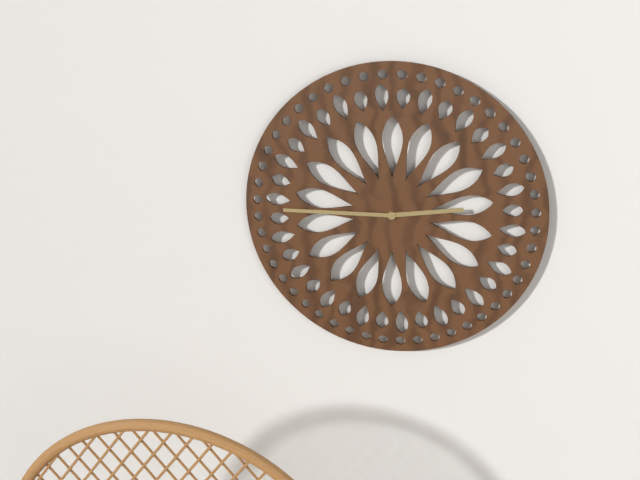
2 h 45 min
